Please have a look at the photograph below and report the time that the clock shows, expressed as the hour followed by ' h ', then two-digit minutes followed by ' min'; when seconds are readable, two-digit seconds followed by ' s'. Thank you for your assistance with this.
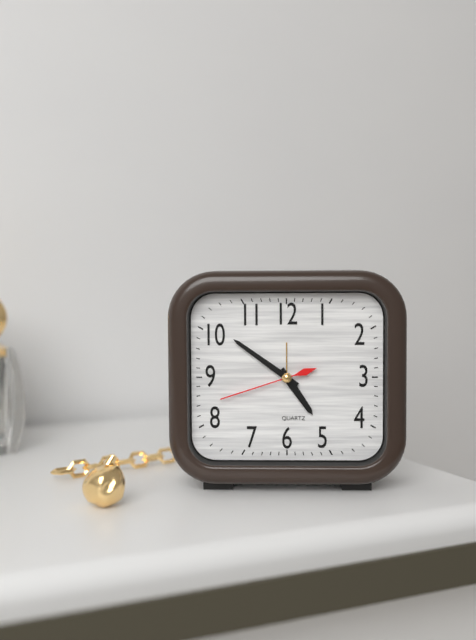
4 h 51 min 42 s
